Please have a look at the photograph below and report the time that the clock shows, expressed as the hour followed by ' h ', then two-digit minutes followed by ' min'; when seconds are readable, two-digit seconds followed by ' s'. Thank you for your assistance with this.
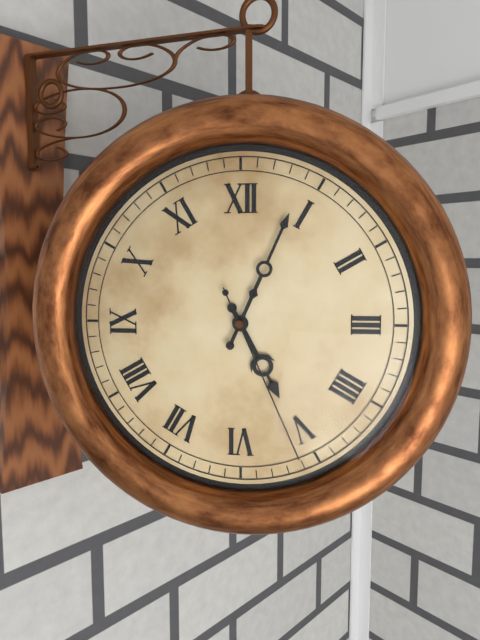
5 h 04 min 26 s
